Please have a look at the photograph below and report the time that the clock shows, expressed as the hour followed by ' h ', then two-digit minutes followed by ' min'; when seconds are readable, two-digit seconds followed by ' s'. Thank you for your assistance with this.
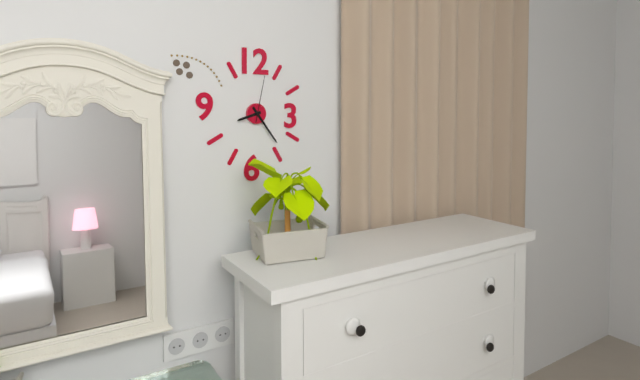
8 h 24 min
